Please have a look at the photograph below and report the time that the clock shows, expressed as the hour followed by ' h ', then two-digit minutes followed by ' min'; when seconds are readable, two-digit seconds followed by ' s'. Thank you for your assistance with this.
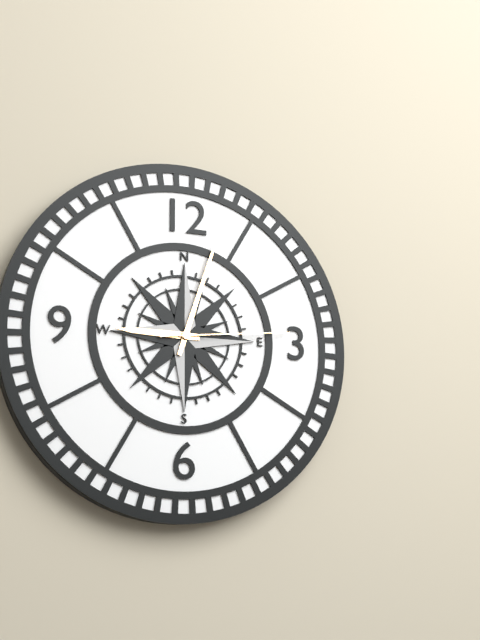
9 h 03 min 14 s
